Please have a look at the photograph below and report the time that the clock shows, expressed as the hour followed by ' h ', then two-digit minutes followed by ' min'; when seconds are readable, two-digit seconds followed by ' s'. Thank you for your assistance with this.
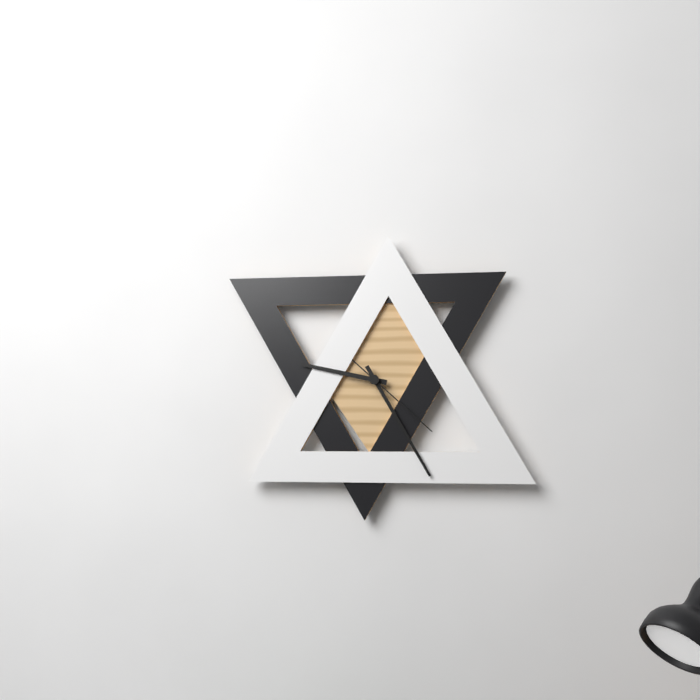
9 h 25 min 22 s
